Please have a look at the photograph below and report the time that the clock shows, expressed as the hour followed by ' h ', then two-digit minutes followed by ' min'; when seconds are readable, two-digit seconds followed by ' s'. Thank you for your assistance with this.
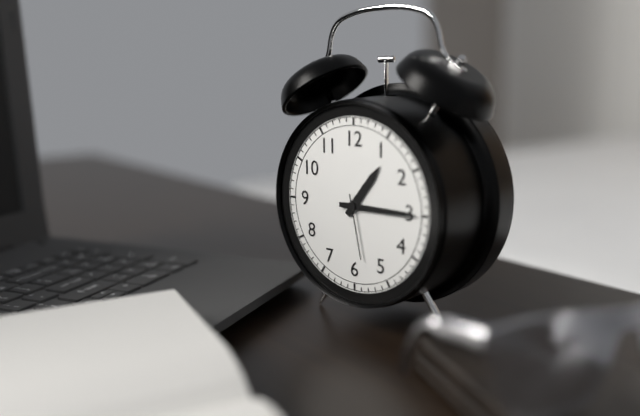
1 h 15 min 28 s
